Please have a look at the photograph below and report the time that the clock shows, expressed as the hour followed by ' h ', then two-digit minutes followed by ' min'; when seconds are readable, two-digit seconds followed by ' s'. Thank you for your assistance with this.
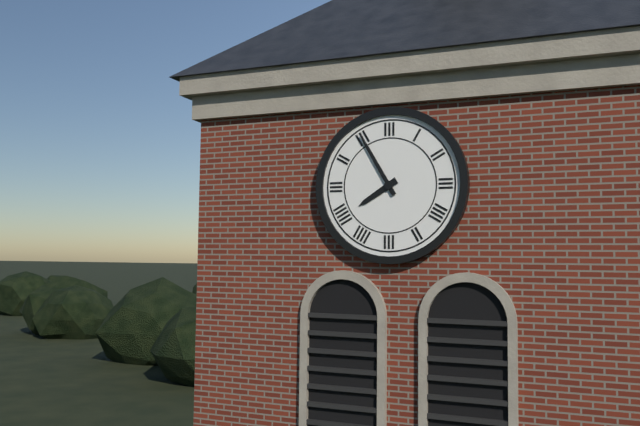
7 h 55 min
